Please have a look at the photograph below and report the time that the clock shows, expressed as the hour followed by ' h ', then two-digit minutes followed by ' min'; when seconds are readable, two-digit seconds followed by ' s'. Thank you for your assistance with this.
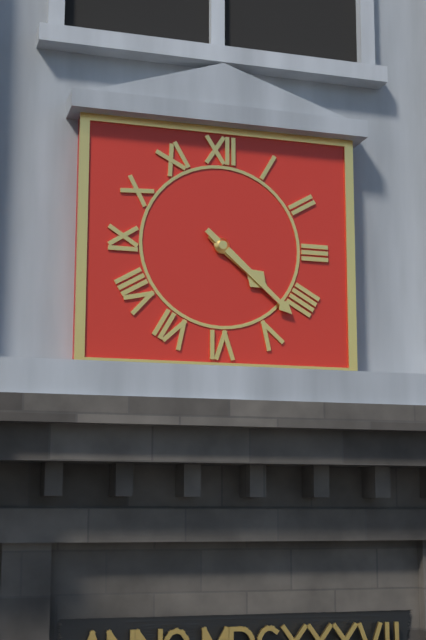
4 h 22 min
